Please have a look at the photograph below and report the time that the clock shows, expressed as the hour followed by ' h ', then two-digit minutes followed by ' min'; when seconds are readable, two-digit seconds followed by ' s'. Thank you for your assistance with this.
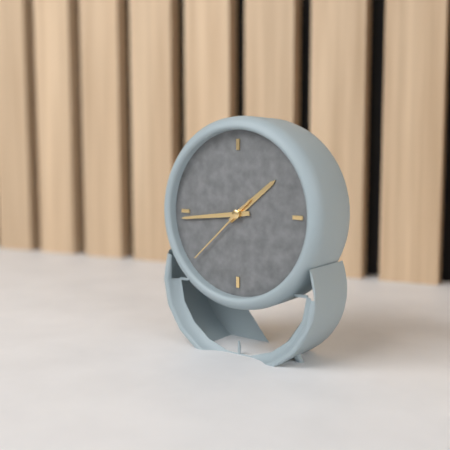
1 h 44 min 38 s
